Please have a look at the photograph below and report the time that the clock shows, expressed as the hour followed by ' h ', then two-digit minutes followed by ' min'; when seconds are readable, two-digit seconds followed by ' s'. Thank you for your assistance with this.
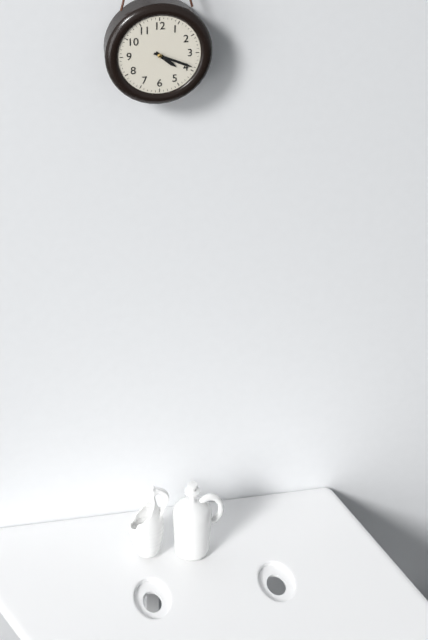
4 h 19 min
